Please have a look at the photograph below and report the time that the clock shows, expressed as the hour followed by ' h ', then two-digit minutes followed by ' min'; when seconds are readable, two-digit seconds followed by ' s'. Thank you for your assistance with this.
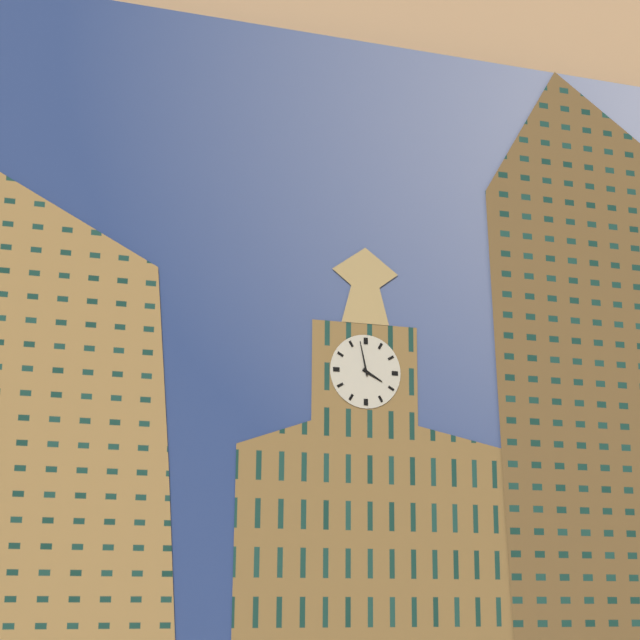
3 h 58 min
